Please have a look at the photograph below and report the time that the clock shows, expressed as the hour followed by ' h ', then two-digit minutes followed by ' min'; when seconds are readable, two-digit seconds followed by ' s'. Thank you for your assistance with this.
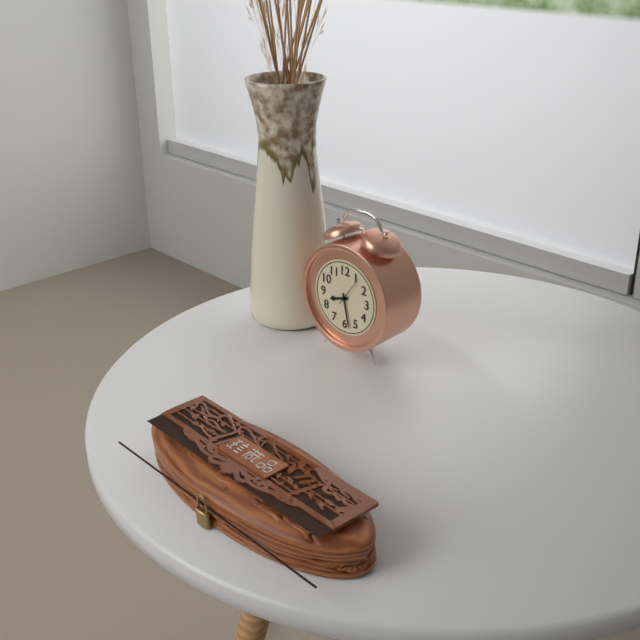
8 h 28 min
